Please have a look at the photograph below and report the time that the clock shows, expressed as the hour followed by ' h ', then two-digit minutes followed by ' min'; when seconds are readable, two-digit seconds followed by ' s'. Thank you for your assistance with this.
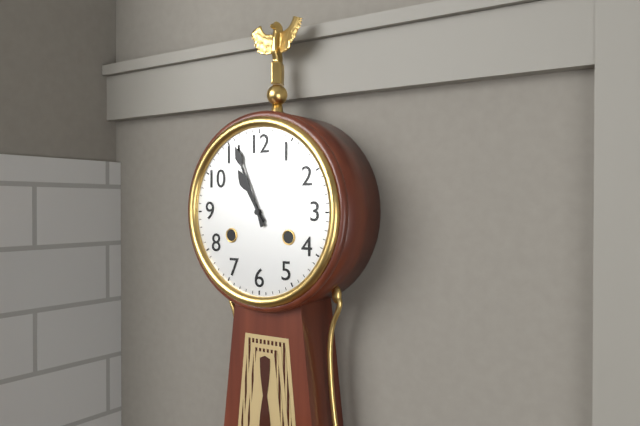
10 h 56 min
